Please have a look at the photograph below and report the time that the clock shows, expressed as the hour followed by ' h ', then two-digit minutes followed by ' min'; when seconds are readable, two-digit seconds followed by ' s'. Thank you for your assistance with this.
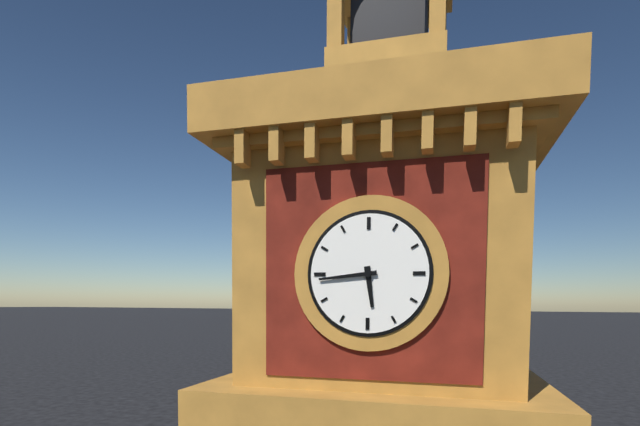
5 h 44 min
